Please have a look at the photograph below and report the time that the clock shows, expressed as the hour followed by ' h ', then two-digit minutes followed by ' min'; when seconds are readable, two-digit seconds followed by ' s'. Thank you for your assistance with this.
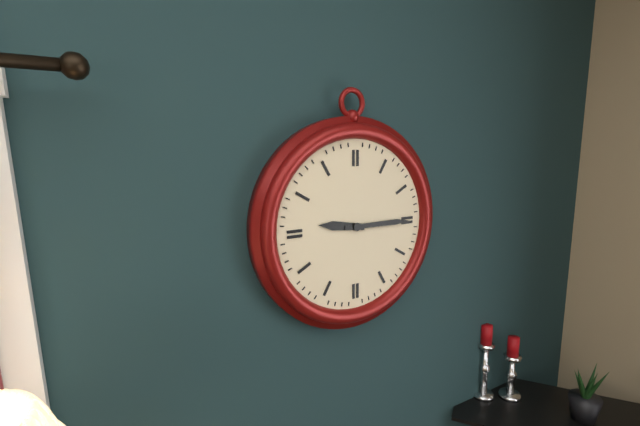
9 h 15 min
